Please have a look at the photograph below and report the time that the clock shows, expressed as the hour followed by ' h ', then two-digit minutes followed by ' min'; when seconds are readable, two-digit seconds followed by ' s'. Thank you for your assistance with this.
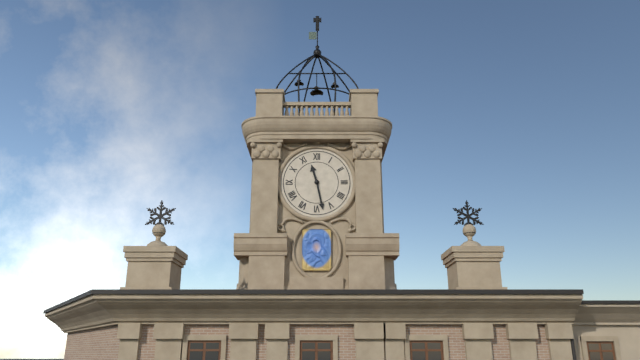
11 h 28 min
